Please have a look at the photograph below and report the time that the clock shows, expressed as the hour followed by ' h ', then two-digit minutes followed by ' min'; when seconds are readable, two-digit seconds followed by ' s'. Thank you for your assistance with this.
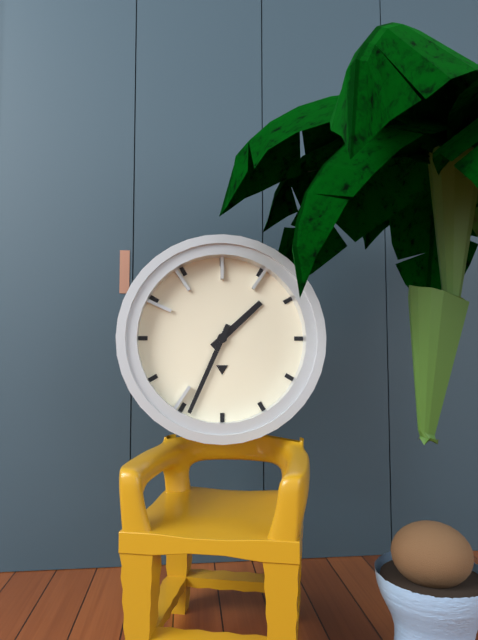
1 h 34 min
